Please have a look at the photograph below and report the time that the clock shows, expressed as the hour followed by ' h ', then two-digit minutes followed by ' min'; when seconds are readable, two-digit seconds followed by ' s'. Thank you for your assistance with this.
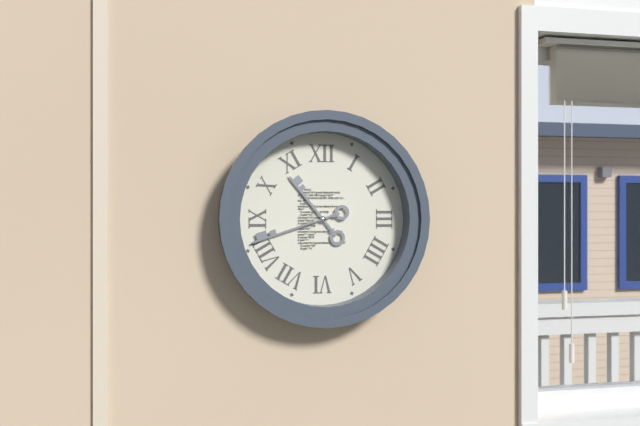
10 h 42 min
